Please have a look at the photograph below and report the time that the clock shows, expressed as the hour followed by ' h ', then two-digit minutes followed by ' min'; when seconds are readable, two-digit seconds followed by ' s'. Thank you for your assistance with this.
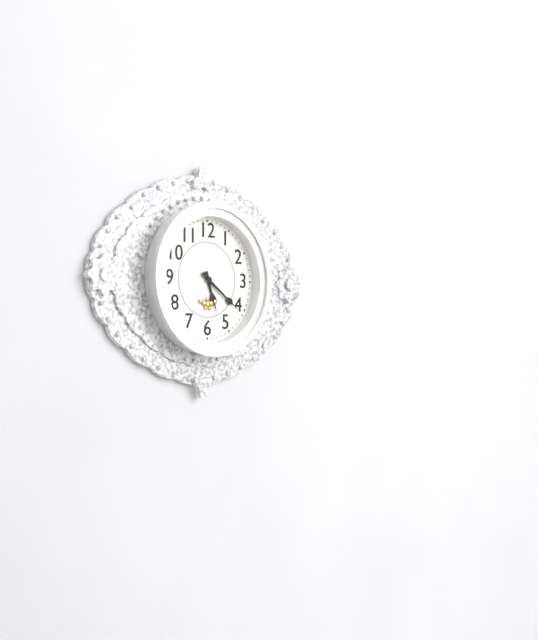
5 h 21 min
